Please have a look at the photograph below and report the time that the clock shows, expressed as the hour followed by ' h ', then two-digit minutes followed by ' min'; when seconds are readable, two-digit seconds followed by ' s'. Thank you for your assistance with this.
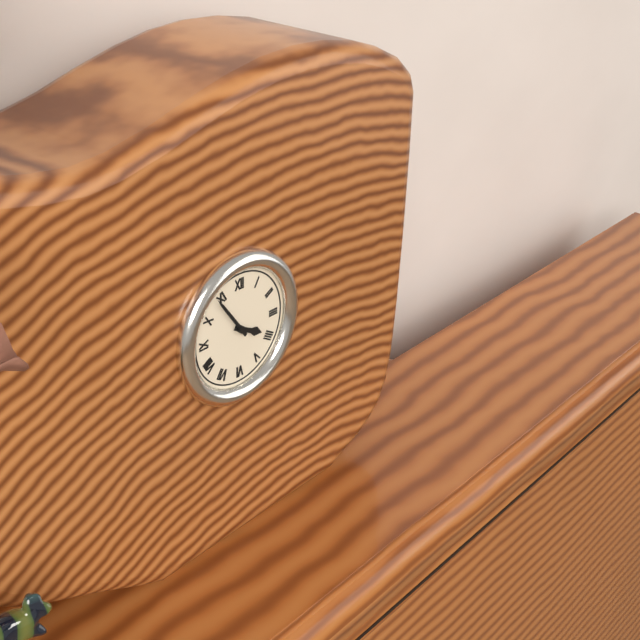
3 h 54 min
